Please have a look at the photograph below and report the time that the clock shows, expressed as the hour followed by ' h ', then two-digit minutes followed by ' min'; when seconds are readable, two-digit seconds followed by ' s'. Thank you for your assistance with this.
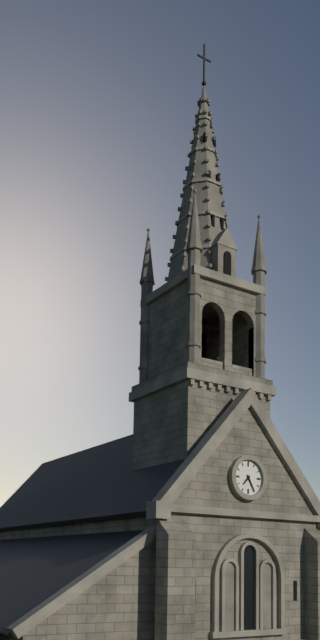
7 h 25 min
